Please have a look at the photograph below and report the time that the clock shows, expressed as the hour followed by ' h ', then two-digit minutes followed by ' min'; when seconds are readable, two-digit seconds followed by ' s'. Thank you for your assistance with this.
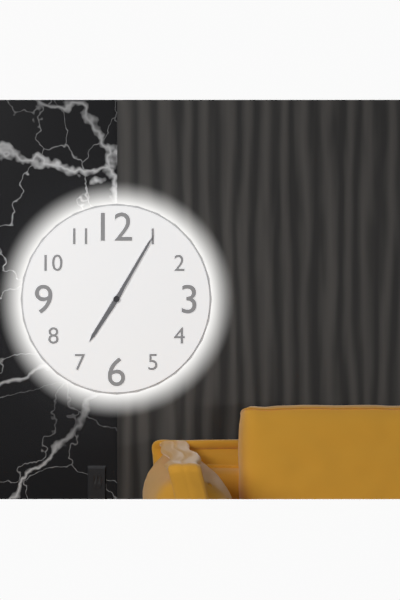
7 h 05 min
